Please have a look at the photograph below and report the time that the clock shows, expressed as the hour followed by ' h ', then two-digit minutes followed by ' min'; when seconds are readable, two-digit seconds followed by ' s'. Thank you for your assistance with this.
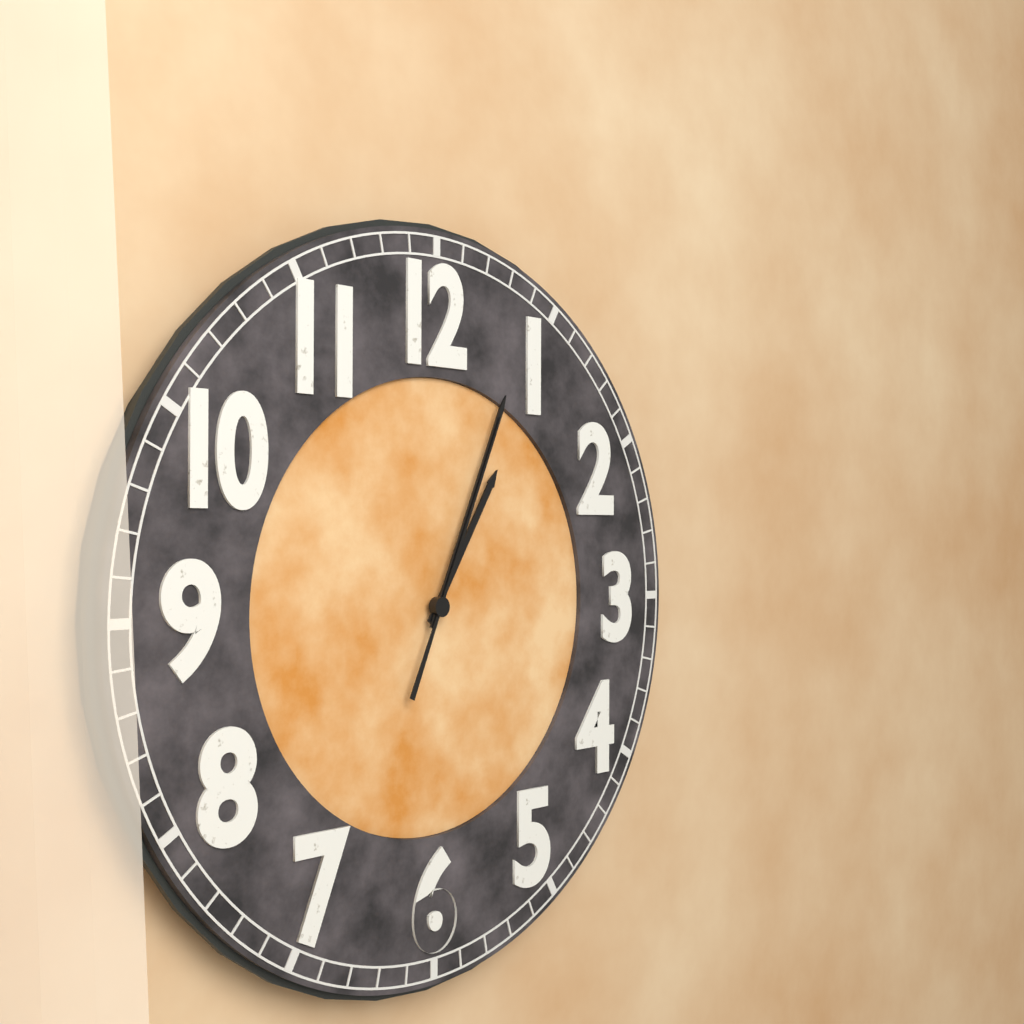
1 h 04 min 04 s
